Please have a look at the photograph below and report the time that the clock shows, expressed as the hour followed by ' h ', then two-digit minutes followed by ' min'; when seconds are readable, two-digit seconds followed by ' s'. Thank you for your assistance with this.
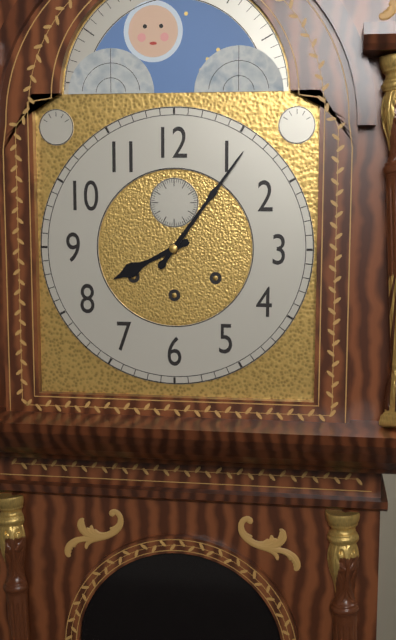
8 h 06 min
